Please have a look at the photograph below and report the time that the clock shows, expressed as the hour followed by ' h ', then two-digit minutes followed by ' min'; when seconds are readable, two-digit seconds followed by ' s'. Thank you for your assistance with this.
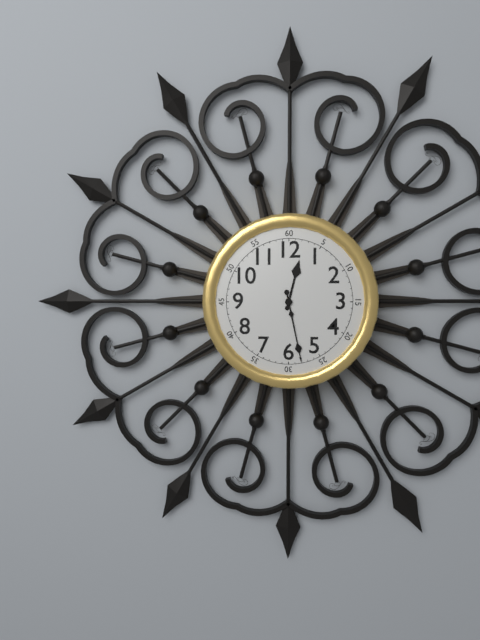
12 h 28 min
